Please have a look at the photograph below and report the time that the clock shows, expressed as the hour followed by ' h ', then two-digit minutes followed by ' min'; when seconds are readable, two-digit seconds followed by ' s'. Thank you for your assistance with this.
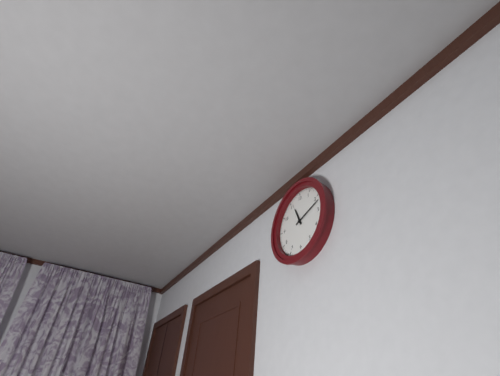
11 h 12 min
